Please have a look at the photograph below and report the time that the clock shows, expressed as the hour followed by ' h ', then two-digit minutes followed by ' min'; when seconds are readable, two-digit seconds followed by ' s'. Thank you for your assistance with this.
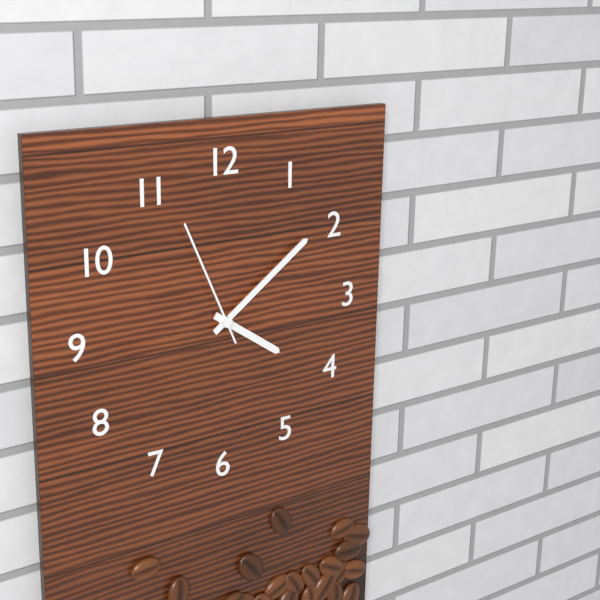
4 h 09 min 56 s
